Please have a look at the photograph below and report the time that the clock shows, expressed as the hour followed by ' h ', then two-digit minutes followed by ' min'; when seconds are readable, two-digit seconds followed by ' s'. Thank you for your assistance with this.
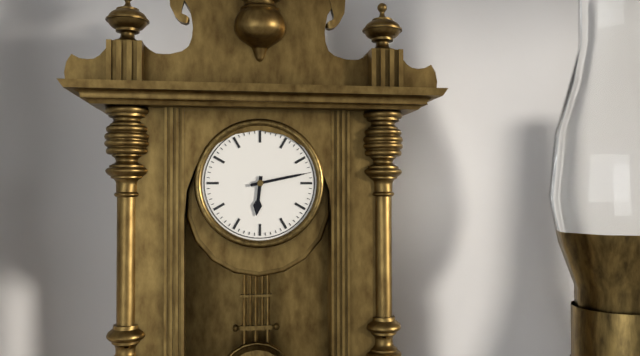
6 h 13 min
